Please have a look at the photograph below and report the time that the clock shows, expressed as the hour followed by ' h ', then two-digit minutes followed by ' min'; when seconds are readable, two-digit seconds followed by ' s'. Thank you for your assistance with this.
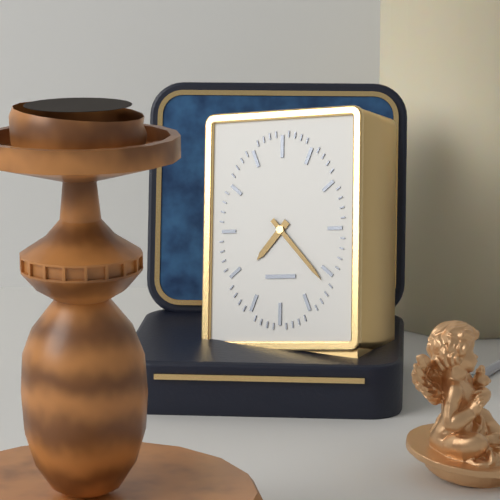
7 h 23 min
